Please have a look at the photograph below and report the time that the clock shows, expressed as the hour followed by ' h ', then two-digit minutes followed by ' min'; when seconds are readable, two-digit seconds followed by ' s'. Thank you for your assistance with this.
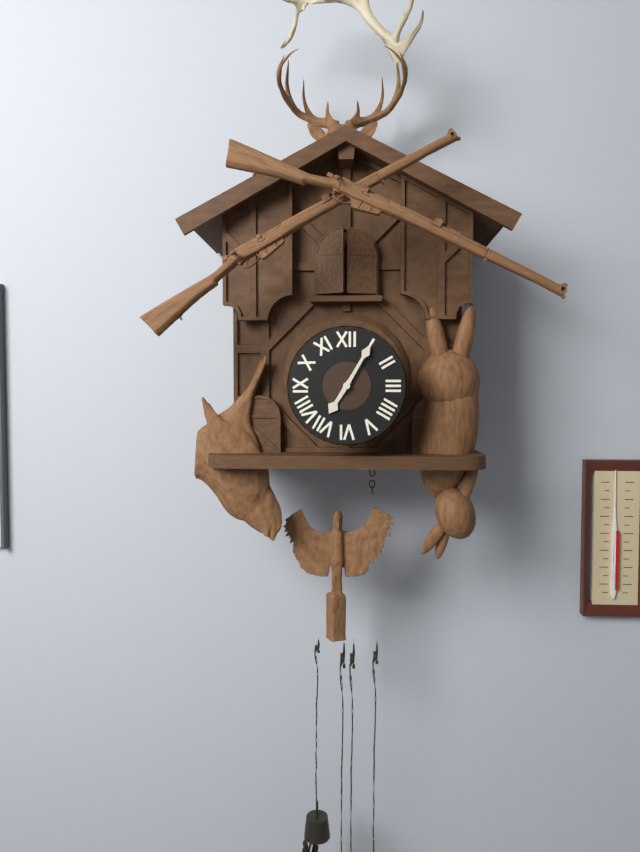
7 h 05 min
